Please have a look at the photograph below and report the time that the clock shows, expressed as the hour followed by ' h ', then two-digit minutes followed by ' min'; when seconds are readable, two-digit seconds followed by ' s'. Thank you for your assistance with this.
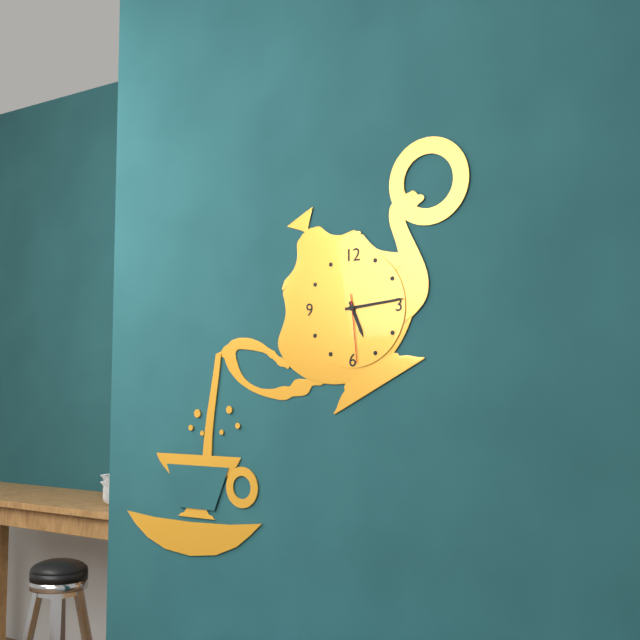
5 h 14 min 29 s
